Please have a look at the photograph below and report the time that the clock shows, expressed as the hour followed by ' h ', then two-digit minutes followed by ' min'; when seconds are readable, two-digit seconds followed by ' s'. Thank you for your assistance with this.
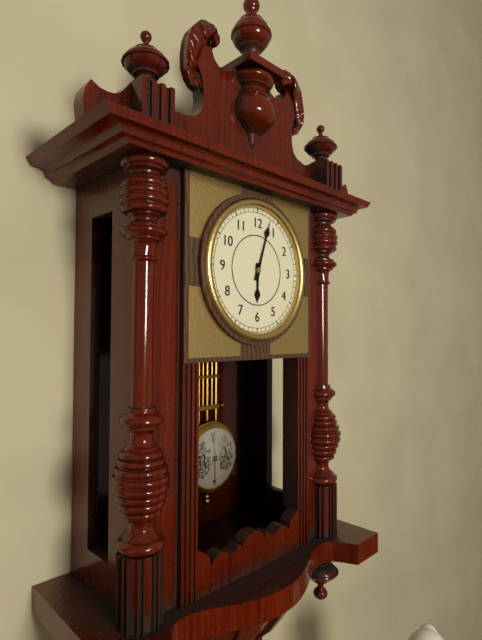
6 h 03 min
